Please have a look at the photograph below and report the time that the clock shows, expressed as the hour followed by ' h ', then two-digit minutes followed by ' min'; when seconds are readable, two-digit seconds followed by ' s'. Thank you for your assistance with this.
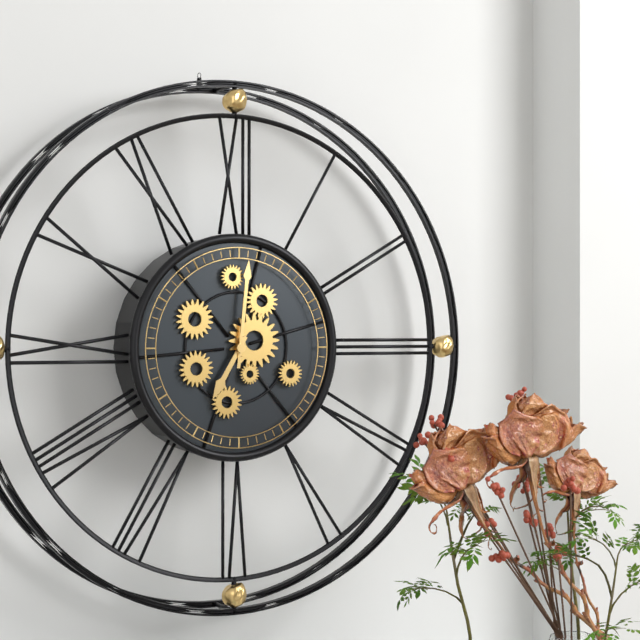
7 h 01 min
